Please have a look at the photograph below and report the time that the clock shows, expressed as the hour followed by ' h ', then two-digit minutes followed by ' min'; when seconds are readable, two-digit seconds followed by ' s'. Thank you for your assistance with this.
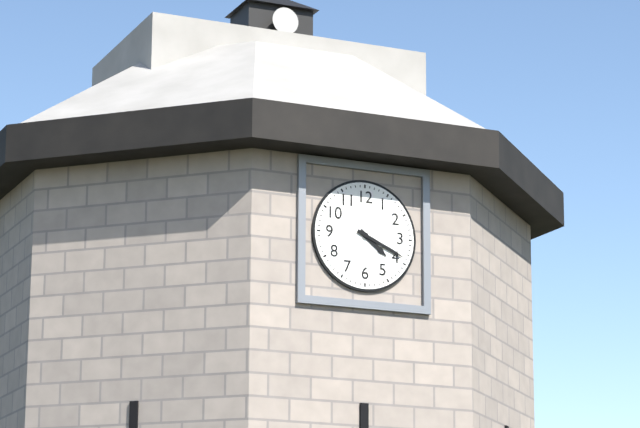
4 h 19 min
